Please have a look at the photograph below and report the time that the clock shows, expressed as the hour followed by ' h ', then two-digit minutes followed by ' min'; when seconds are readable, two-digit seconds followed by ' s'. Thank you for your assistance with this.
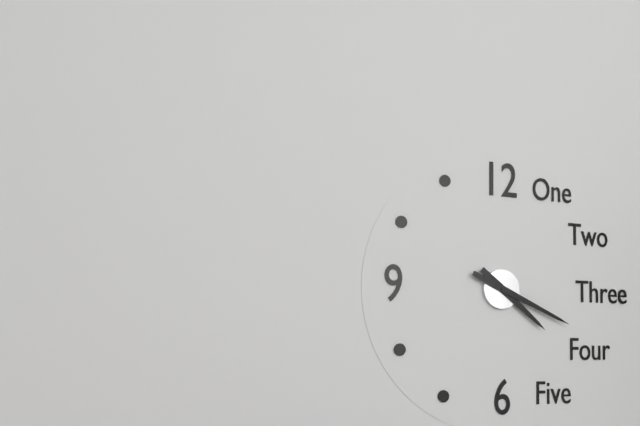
4 h 19 min
